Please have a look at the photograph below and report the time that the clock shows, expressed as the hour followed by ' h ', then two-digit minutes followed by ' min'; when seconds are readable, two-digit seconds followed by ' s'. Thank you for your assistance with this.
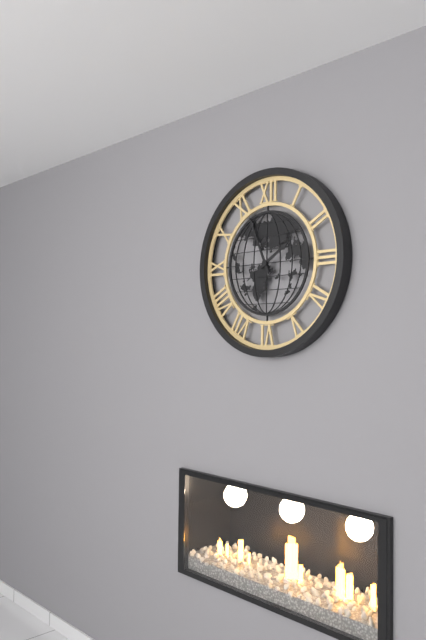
1 h 56 min
